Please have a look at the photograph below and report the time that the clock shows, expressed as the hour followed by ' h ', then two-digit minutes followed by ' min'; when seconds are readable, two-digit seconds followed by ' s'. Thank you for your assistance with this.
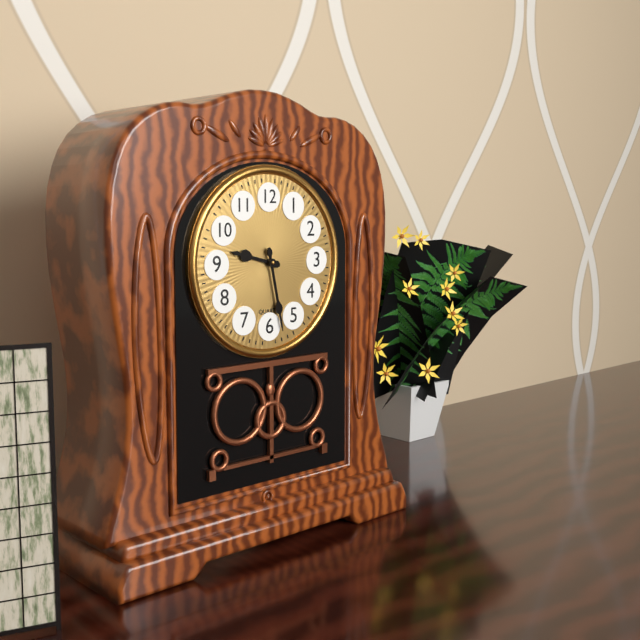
9 h 28 min
